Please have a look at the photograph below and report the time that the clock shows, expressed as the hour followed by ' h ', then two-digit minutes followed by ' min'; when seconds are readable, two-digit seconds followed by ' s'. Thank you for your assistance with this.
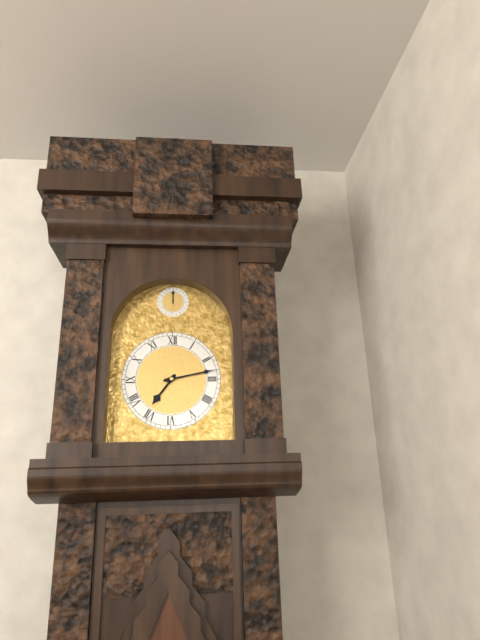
7 h 13 min
